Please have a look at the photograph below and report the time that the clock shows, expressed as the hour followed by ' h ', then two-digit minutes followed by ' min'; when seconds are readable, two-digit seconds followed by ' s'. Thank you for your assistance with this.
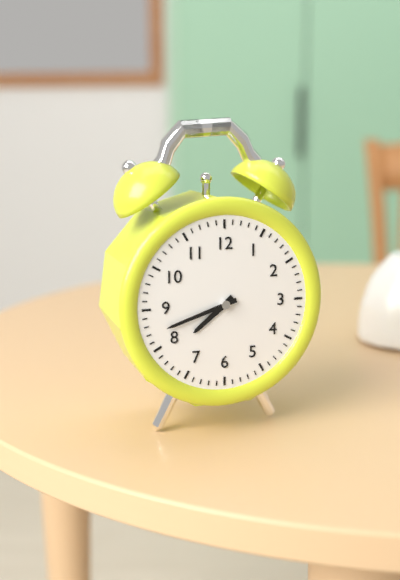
7 h 42 min
